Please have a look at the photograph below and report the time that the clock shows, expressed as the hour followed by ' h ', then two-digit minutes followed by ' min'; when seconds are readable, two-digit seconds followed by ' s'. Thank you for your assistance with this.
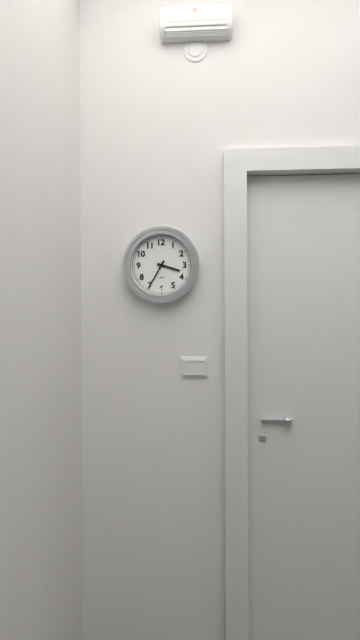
3 h 35 min
